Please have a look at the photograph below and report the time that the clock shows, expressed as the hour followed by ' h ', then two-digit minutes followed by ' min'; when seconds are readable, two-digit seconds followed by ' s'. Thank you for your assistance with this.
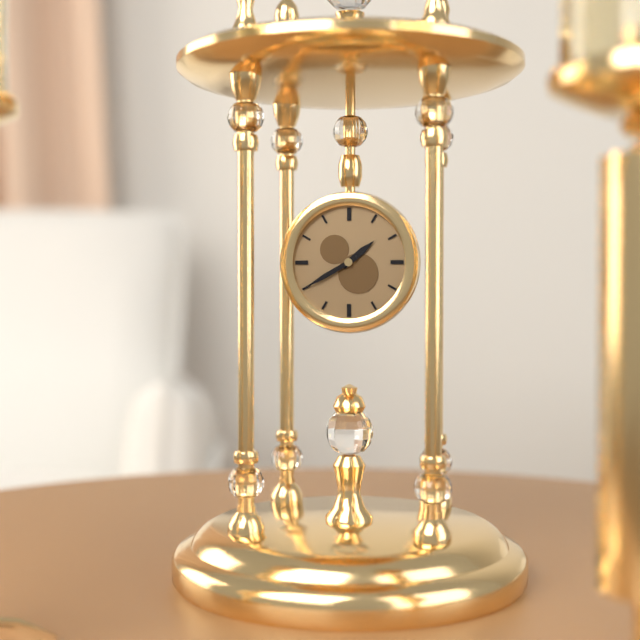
1 h 40 min
